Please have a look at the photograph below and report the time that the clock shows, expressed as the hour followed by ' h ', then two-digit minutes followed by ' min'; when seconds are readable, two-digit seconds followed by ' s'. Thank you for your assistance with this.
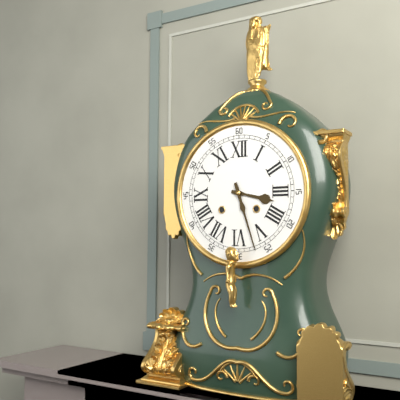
3 h 27 min
